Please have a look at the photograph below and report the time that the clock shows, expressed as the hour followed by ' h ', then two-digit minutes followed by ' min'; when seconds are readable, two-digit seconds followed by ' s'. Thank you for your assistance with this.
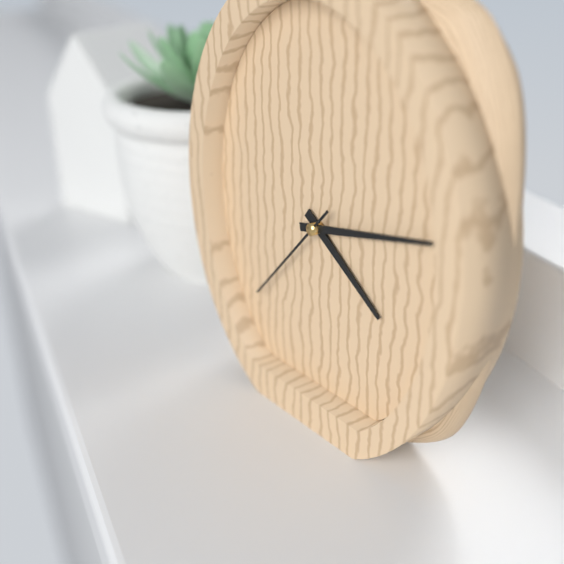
4 h 13 min 37 s
